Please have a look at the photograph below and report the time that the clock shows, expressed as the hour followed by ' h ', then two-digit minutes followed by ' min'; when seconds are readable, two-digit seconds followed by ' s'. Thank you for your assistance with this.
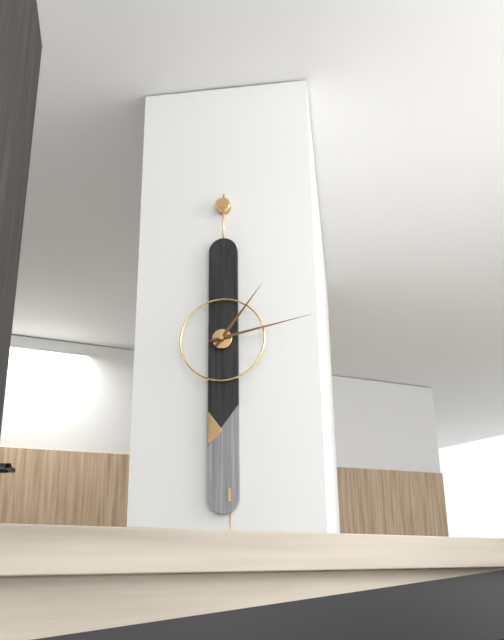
1 h 13 min
